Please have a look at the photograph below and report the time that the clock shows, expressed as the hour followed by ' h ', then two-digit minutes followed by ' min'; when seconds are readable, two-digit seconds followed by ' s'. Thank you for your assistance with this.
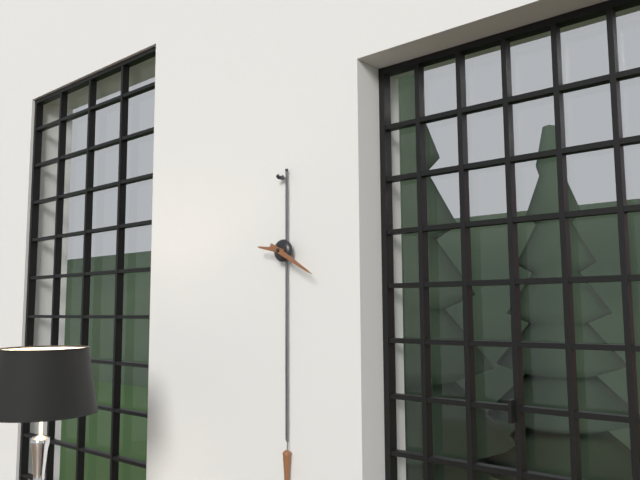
9 h 20 min
